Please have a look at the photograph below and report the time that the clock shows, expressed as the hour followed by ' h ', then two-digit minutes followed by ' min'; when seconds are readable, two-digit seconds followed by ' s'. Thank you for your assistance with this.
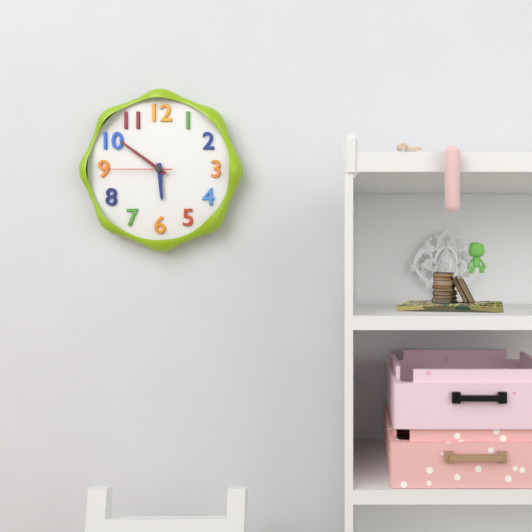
5 h 51 min 45 s
